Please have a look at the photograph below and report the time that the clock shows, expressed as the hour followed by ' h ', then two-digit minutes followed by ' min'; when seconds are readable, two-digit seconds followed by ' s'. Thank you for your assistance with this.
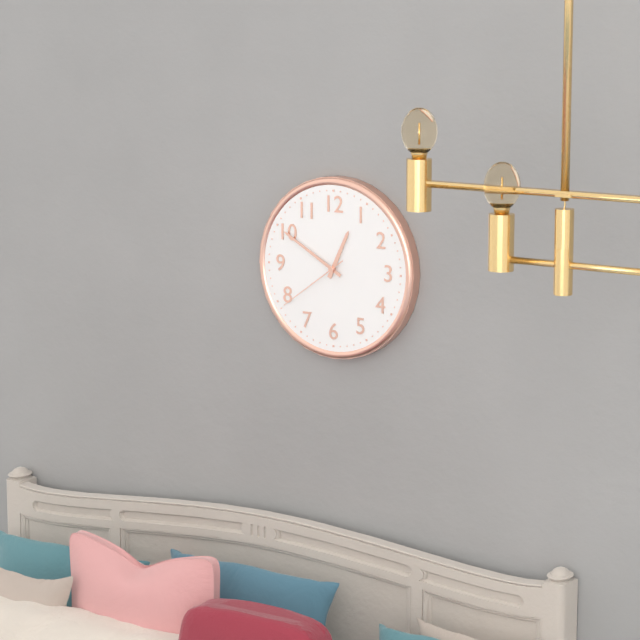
12 h 50 min 39 s
